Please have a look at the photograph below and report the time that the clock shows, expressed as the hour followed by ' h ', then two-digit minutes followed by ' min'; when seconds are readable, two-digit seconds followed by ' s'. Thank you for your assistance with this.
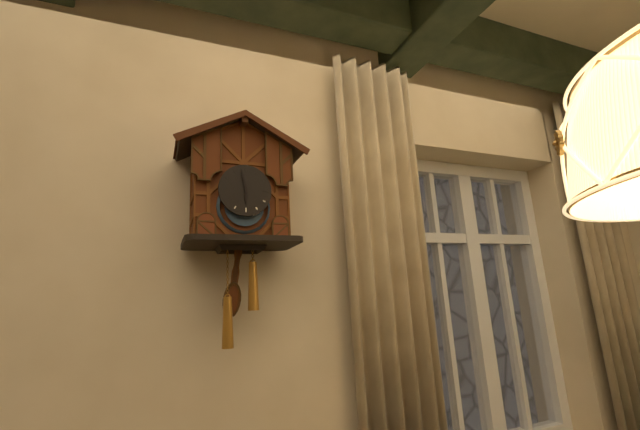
5 h 58 min
